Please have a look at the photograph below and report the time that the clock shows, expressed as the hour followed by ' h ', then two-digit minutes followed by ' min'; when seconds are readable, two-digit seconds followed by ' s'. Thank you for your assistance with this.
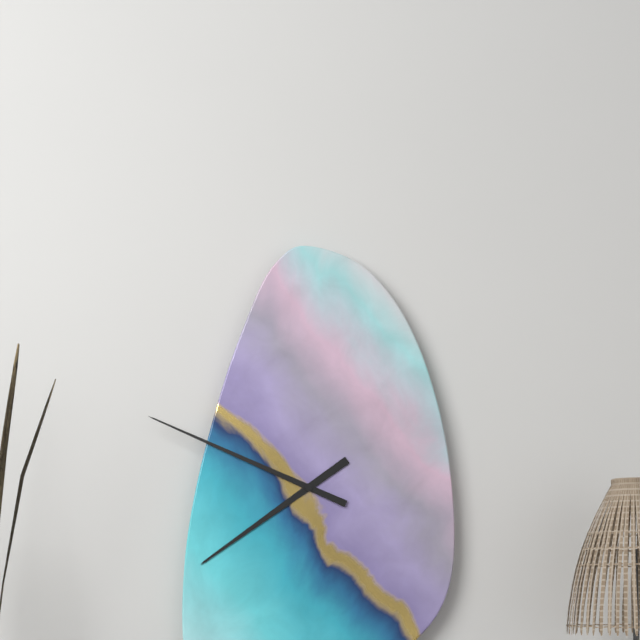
7 h 49 min
